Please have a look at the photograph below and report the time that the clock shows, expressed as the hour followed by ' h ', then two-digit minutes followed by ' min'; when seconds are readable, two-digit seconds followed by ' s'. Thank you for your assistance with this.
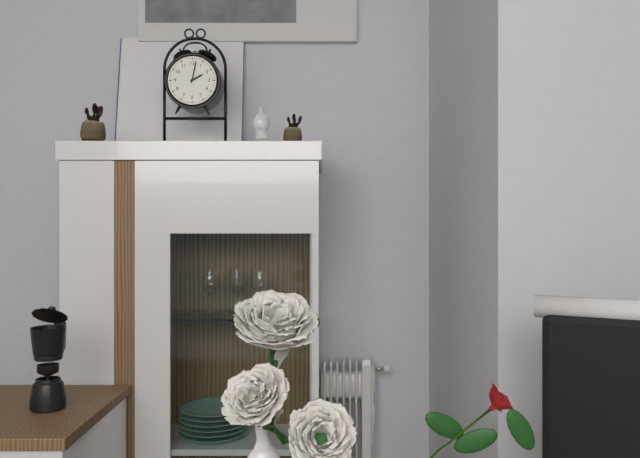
2 h 02 min
